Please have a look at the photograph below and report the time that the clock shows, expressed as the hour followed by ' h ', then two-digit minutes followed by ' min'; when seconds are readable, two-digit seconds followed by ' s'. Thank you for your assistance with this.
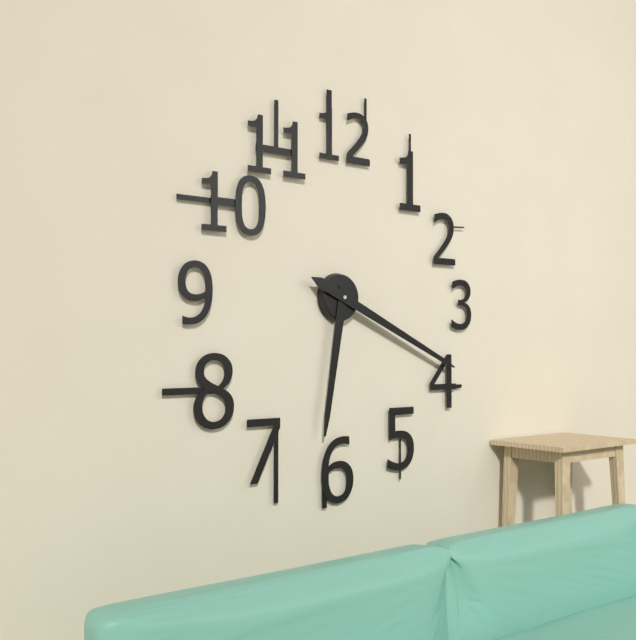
6 h 19 min
